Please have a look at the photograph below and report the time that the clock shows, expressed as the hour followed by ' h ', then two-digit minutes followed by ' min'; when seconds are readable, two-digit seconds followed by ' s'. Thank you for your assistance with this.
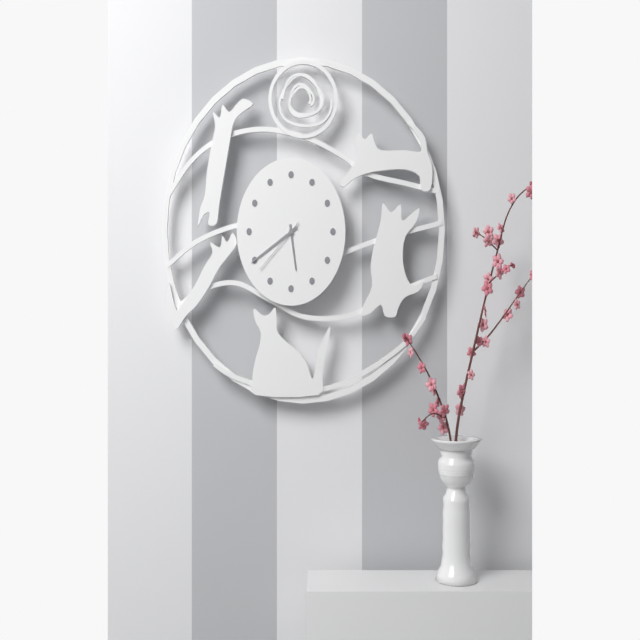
5 h 40 min 38 s
